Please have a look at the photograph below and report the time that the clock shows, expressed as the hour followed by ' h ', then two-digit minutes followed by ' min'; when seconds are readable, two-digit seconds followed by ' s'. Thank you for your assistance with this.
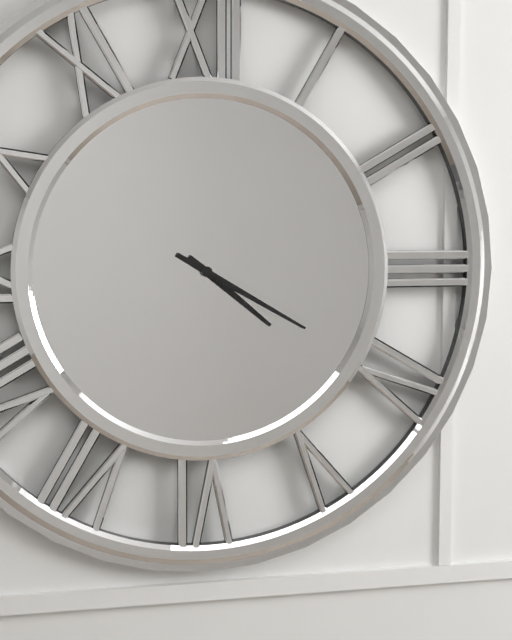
4 h 20 min
